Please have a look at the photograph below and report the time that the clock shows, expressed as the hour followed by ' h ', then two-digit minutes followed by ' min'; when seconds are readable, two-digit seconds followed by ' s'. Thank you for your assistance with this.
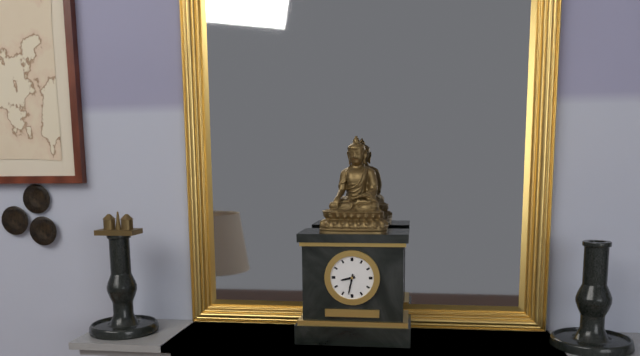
8 h 32 min
